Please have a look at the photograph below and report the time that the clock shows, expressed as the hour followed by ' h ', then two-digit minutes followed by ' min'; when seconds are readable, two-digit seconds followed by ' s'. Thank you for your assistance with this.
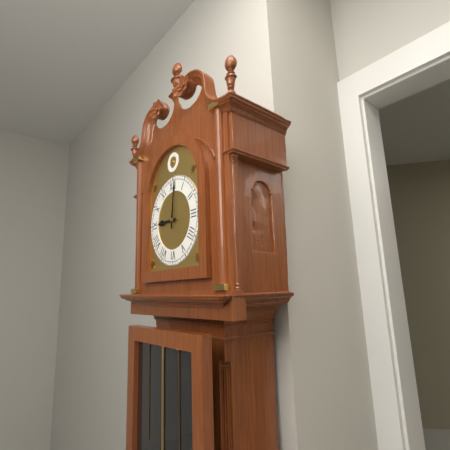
9 h 01 min
